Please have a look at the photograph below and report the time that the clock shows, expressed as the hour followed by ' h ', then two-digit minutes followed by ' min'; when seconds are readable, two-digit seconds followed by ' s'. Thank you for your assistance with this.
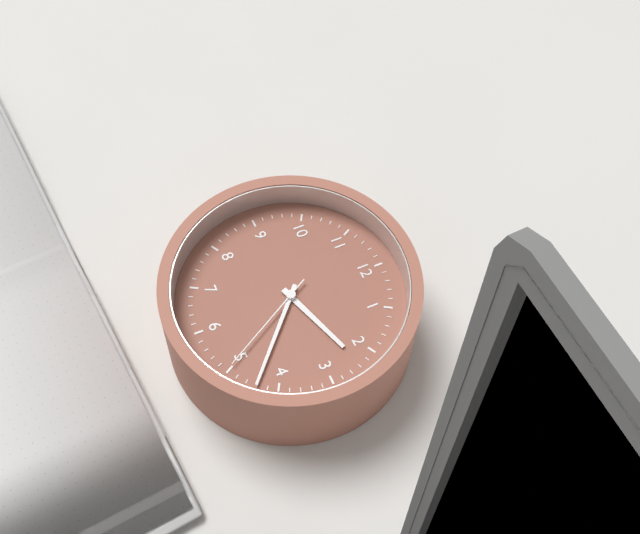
2 h 22 min 25 s
